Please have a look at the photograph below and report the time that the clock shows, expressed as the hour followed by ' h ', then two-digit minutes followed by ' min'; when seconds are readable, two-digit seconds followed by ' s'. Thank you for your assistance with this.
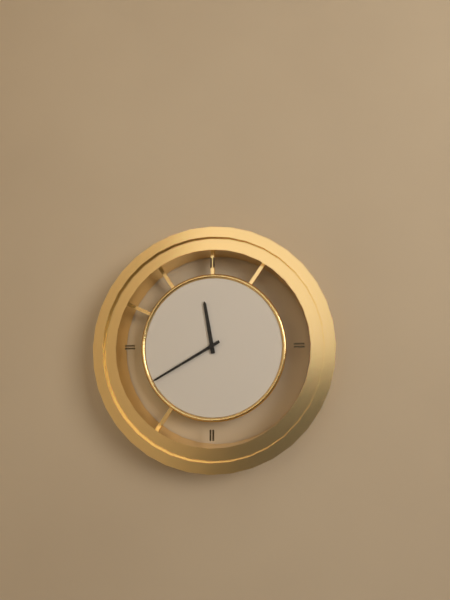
11 h 40 min
